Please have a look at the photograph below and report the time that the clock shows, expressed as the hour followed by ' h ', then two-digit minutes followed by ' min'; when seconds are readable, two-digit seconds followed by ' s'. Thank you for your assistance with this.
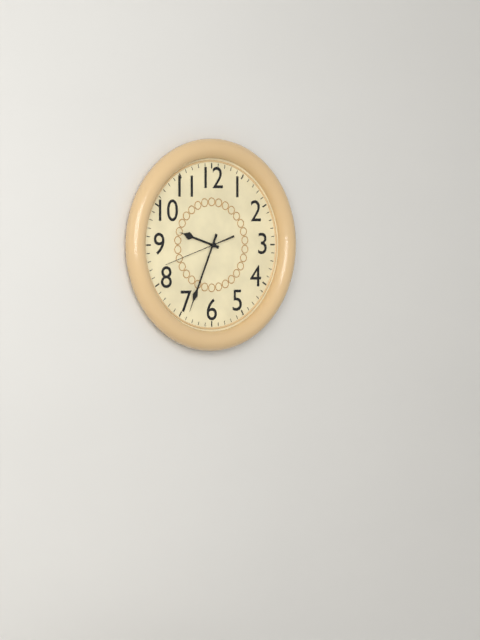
9 h 34 min 42 s
